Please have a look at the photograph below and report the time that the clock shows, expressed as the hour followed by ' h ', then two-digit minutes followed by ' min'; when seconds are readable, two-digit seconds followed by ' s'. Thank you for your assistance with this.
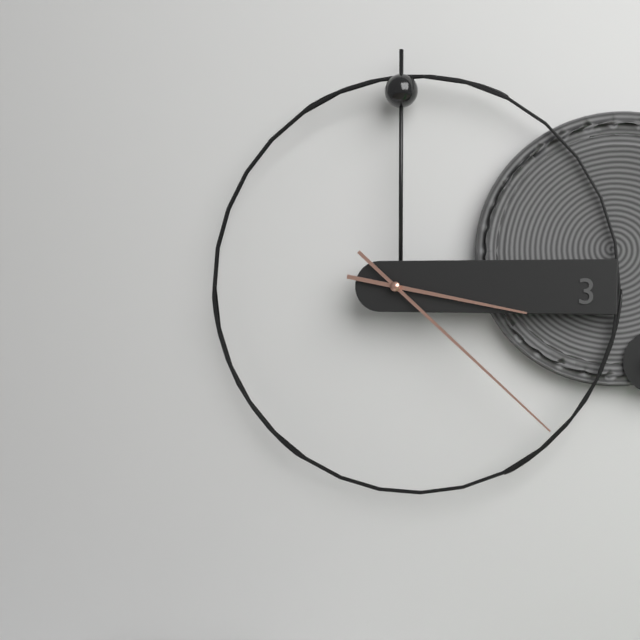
3 h 22 min
